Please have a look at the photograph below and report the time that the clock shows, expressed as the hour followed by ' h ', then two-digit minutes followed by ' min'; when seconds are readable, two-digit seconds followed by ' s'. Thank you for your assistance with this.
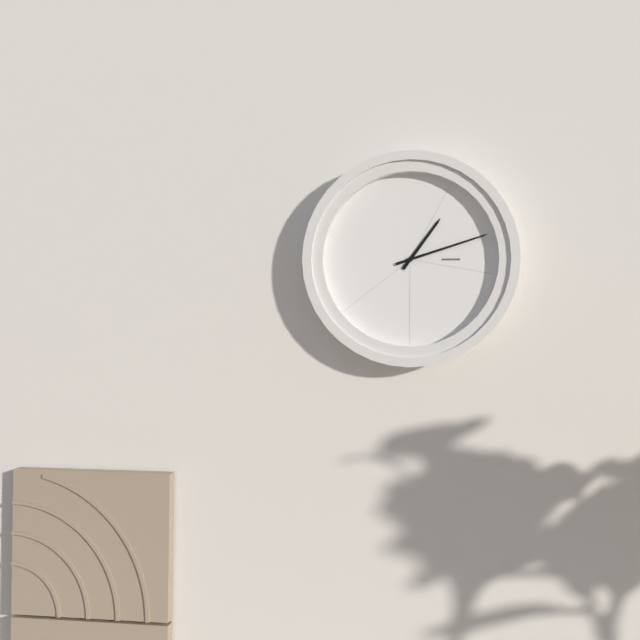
1 h 12 min
